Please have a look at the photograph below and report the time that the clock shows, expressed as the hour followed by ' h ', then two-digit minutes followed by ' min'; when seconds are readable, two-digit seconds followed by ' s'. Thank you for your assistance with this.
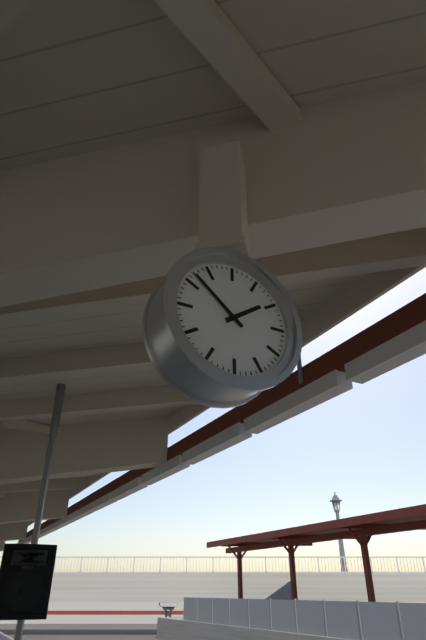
1 h 52 min
